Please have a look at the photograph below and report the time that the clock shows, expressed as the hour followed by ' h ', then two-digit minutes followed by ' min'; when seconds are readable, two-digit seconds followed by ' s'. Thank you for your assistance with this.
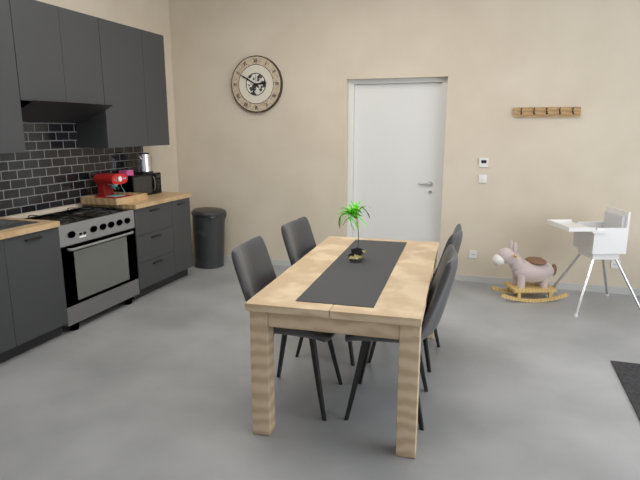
2 h 50 min
